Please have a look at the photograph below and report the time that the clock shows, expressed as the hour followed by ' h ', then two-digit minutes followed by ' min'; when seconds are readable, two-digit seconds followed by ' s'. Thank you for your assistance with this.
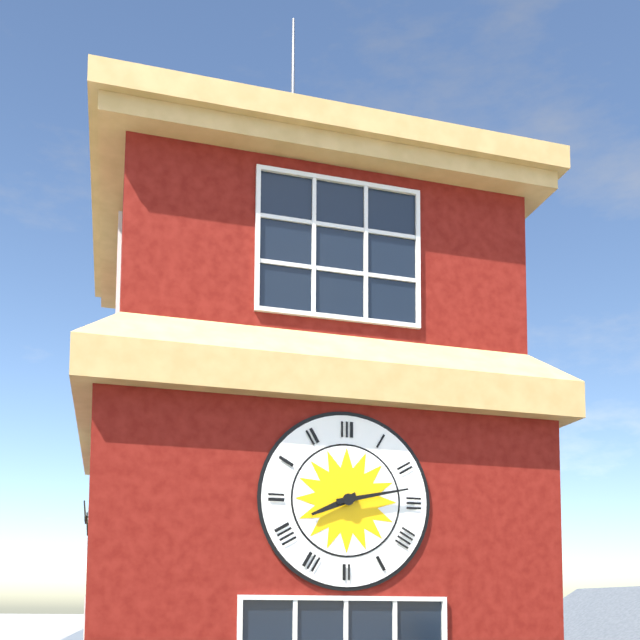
8 h 13 min
